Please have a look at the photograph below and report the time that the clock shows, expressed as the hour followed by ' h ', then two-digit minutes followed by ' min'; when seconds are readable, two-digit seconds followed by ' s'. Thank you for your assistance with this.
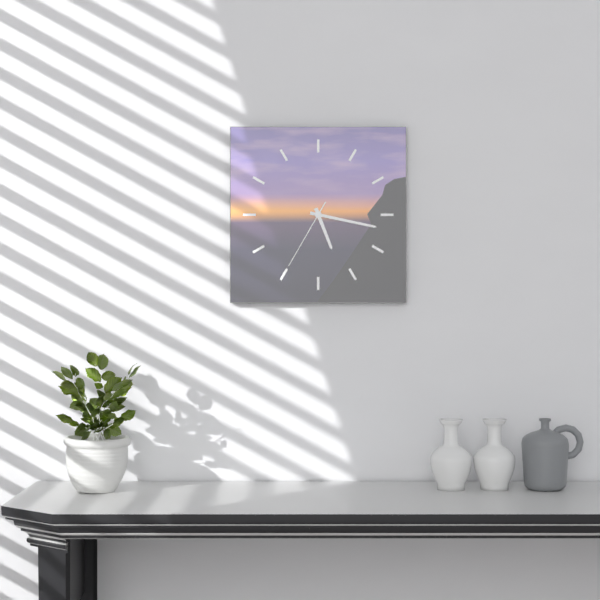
5 h 17 min 35 s
